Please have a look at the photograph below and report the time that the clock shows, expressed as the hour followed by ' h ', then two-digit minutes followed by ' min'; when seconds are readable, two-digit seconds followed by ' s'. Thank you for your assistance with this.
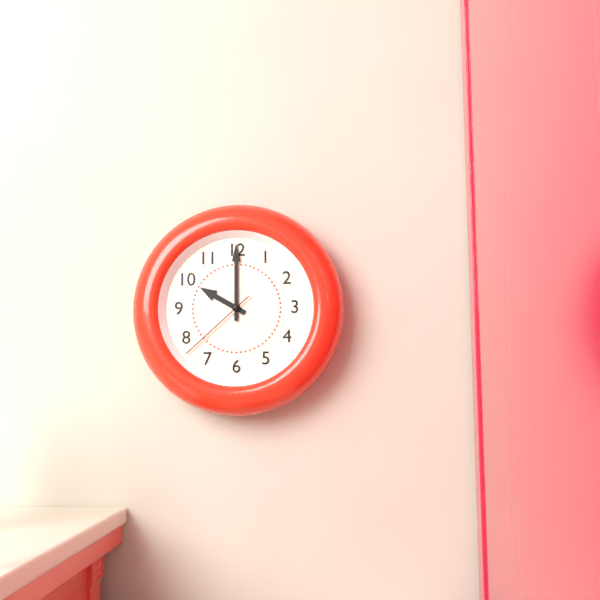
10 h 00 min 38 s
